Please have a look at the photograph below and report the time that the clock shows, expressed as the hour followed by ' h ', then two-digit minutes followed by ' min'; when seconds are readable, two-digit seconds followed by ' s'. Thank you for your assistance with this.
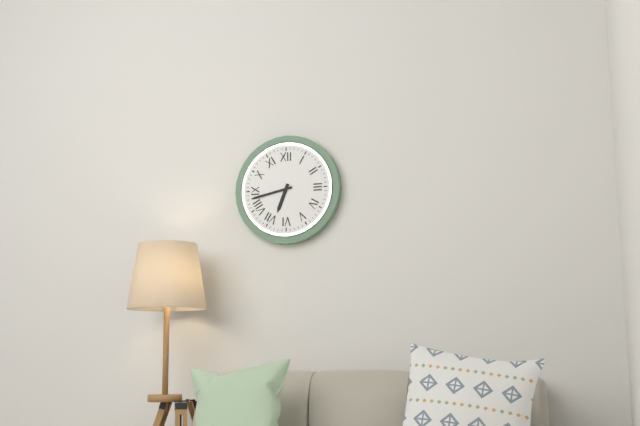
6 h 43 min
